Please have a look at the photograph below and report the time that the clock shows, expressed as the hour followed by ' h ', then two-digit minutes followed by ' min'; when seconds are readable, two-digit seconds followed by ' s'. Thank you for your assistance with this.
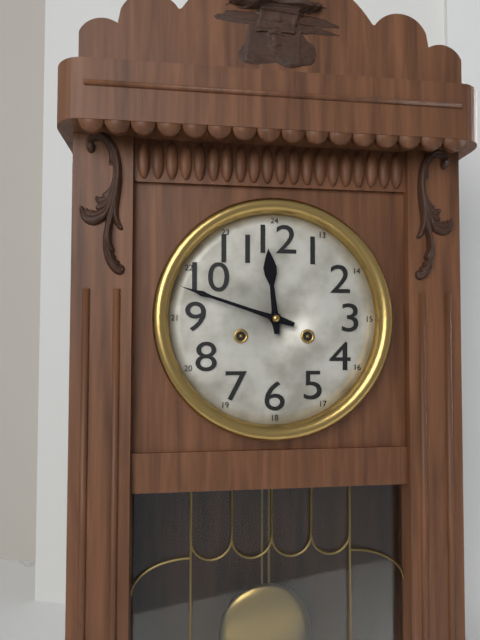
11 h 48 min
